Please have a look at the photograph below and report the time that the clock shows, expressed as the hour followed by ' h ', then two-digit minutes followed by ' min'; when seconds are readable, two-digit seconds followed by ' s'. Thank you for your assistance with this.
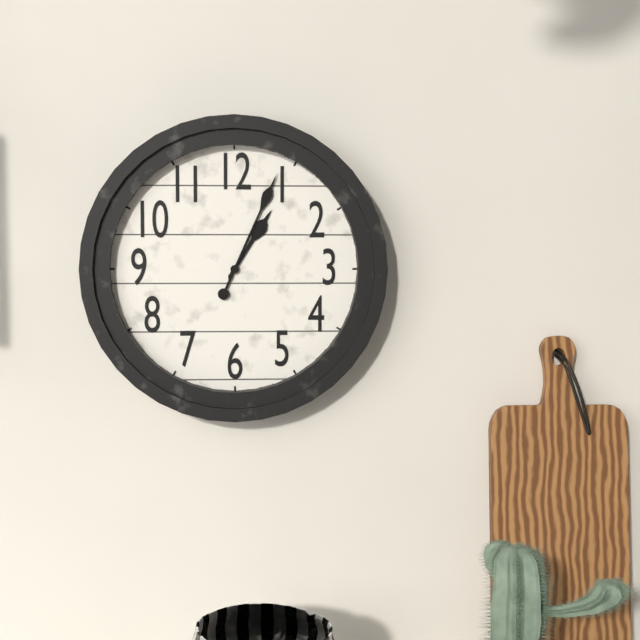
1 h 04 min
